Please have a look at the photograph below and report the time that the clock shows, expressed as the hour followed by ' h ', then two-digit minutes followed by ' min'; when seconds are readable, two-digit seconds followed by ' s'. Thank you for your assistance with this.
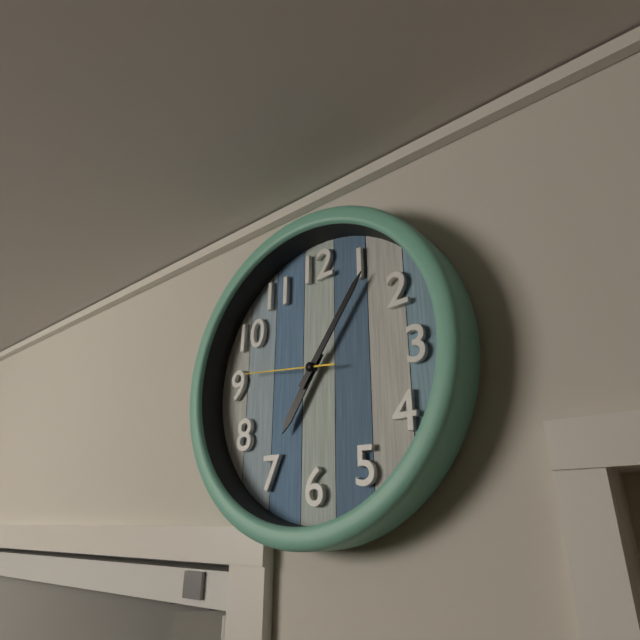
7 h 06 min 46 s
